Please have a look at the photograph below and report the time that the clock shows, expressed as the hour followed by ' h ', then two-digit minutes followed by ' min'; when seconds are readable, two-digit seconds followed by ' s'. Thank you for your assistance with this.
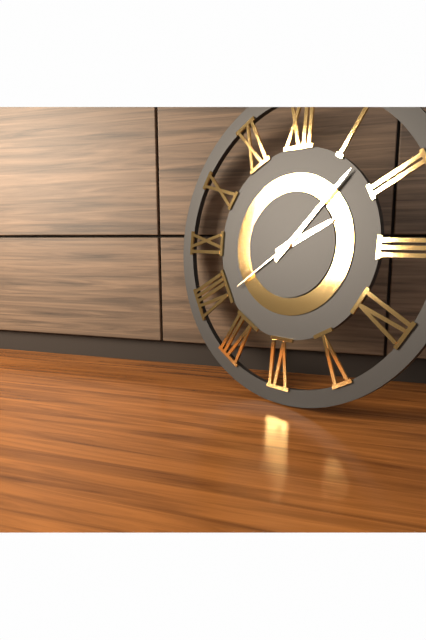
2 h 07 min 39 s
